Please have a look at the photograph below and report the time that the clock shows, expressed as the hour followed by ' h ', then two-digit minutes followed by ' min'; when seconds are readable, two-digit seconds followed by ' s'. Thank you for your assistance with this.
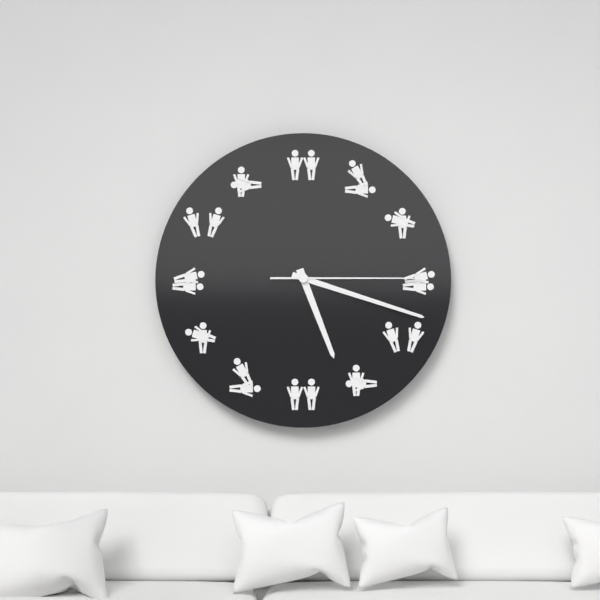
5 h 18 min 15 s
